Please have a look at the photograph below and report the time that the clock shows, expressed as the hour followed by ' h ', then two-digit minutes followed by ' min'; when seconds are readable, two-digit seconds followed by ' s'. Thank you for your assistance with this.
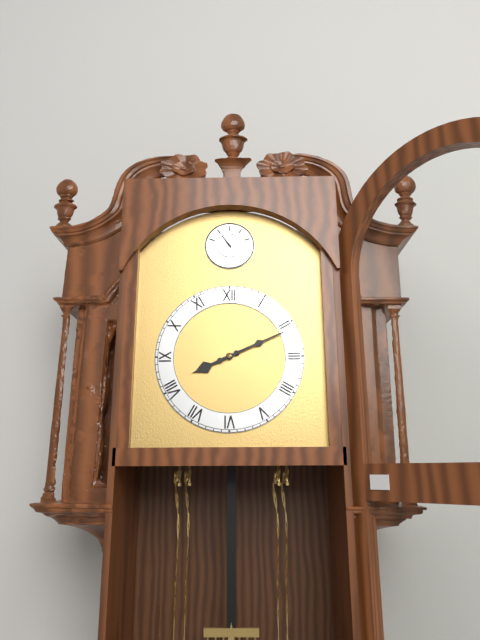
8 h 11 min
